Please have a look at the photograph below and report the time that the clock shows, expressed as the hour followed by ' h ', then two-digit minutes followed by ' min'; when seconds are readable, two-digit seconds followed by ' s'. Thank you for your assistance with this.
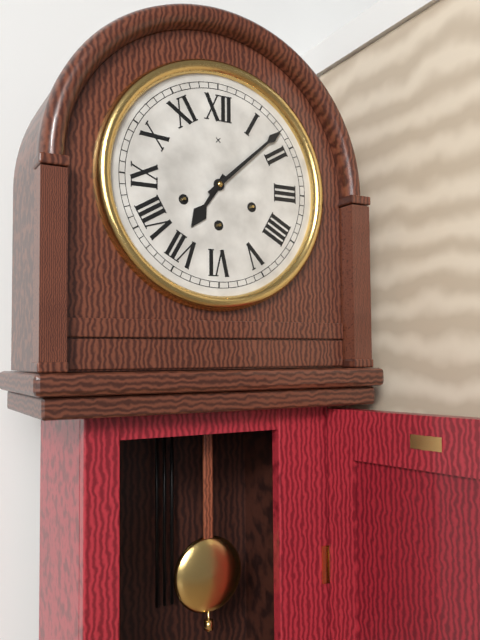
7 h 08 min
